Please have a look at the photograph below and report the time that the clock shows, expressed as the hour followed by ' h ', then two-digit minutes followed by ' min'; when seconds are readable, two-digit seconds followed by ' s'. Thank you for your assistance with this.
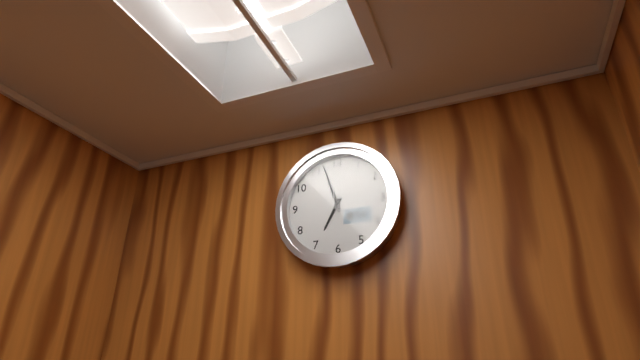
6 h 57 min
